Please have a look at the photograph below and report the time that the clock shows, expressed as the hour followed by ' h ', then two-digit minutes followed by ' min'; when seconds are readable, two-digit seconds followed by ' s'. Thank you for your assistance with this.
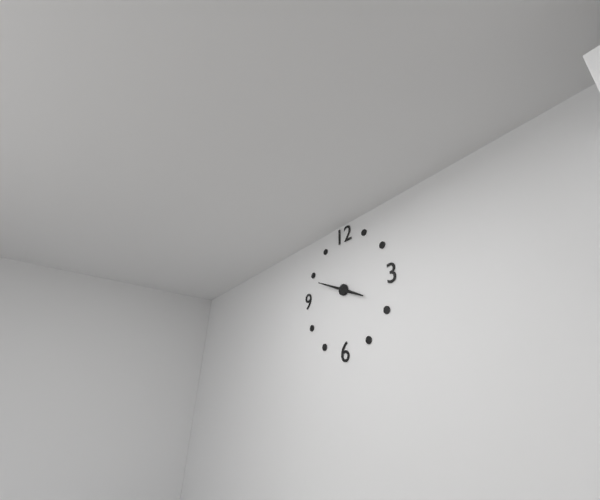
3 h 49 min
